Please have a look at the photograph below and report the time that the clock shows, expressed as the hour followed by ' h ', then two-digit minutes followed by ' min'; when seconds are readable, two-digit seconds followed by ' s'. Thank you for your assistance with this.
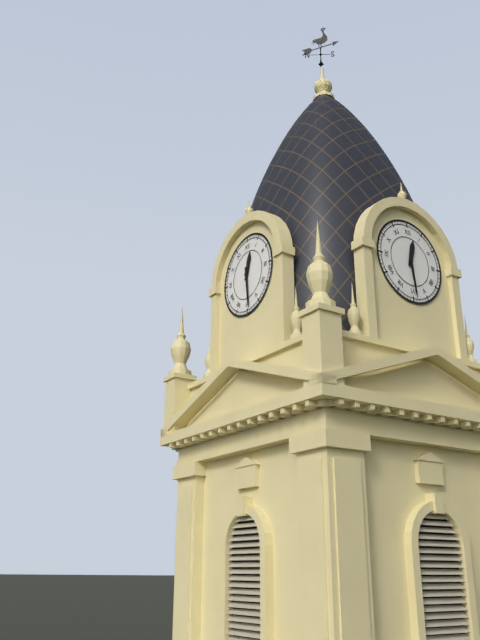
12 h 29 min
